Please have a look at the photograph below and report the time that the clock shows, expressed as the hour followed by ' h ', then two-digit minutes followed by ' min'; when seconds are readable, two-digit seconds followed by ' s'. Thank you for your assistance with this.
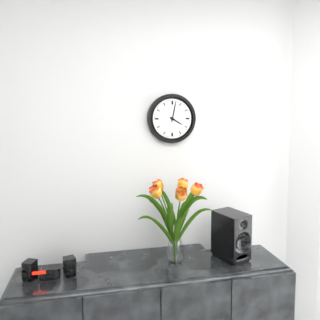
4 h 02 min
